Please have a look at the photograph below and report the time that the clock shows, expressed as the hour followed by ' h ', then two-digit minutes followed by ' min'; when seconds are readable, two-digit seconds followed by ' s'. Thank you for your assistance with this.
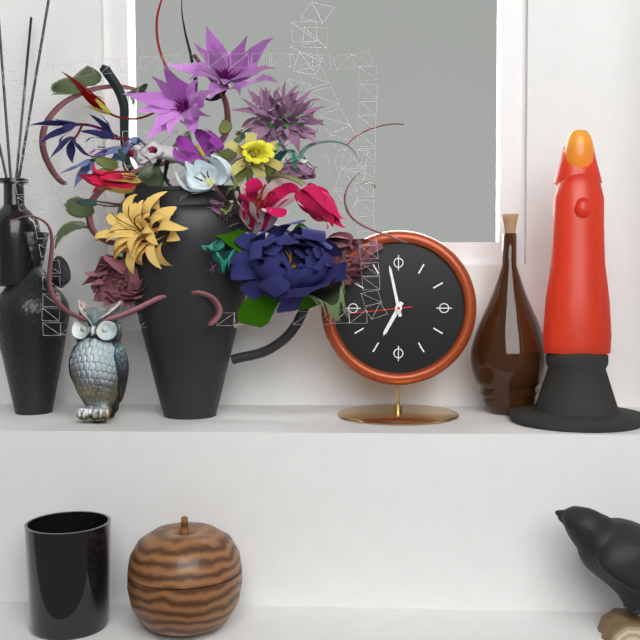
6 h 58 min 44 s
